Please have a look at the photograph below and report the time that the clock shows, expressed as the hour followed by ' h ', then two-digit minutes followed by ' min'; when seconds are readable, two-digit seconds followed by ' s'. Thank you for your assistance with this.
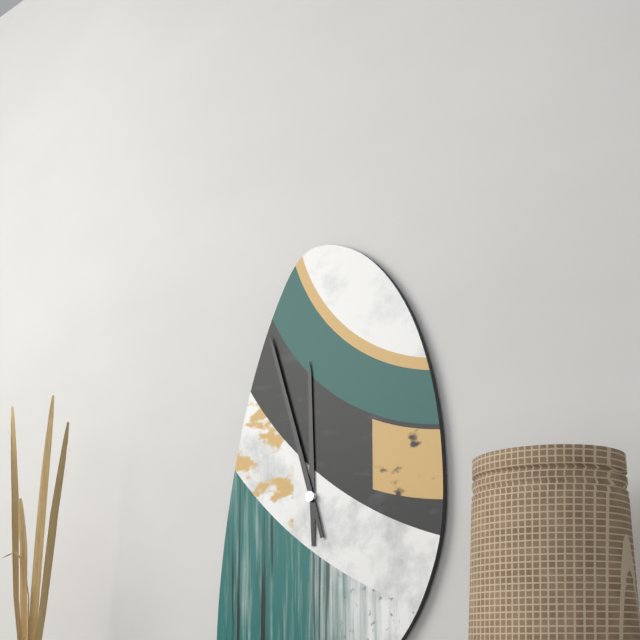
11 h 57 min
